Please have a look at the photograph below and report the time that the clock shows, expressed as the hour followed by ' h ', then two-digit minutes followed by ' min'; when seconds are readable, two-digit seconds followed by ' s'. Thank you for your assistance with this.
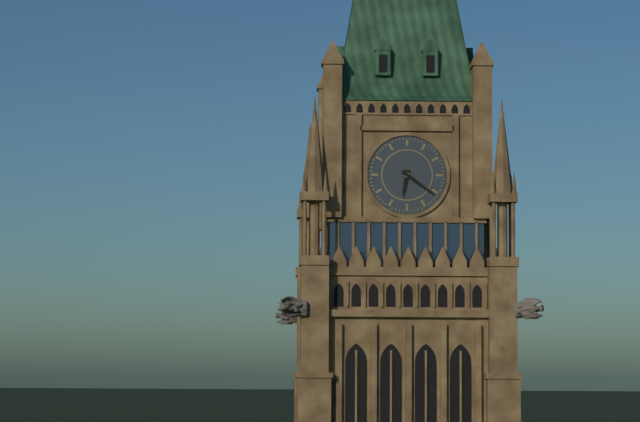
6 h 21 min
